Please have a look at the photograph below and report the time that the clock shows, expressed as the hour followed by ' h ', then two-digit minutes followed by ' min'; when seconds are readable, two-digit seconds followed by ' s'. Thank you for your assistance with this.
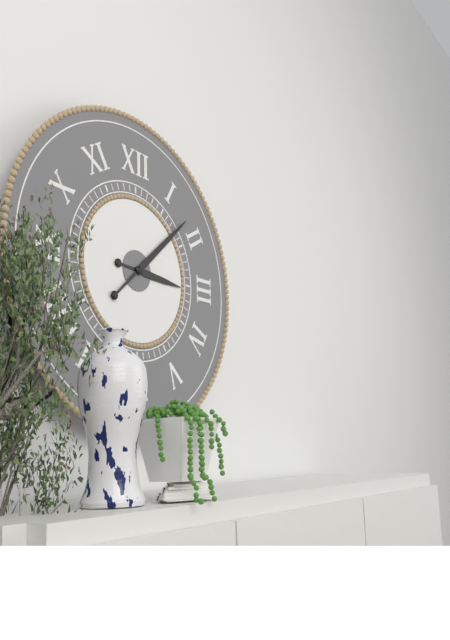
3 h 08 min
